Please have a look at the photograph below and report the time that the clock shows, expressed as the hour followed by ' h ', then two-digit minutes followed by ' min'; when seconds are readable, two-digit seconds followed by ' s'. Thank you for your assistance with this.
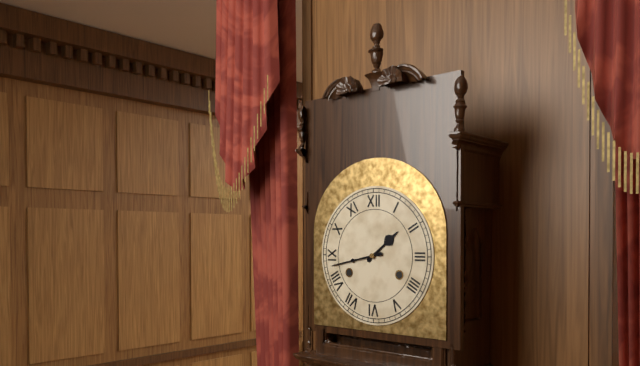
1 h 43 min
